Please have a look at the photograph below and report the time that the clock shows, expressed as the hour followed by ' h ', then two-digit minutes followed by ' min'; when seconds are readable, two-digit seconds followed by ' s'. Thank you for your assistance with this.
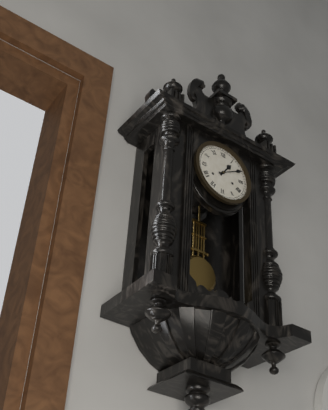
1 h 10 min
